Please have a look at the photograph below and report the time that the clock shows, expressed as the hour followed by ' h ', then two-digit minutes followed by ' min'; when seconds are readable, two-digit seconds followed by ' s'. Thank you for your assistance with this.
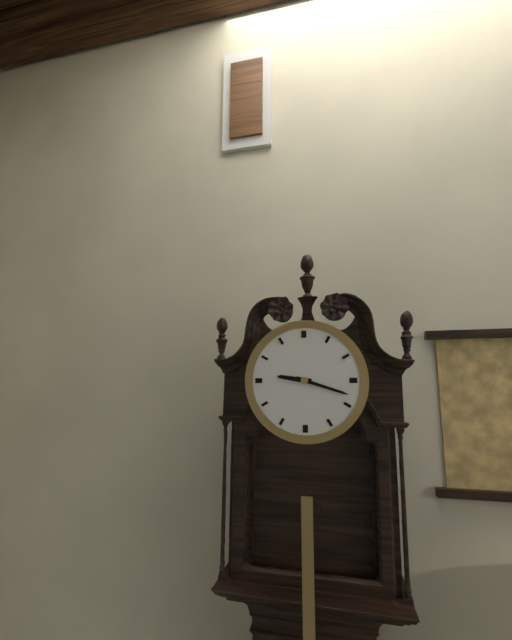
9 h 18 min
